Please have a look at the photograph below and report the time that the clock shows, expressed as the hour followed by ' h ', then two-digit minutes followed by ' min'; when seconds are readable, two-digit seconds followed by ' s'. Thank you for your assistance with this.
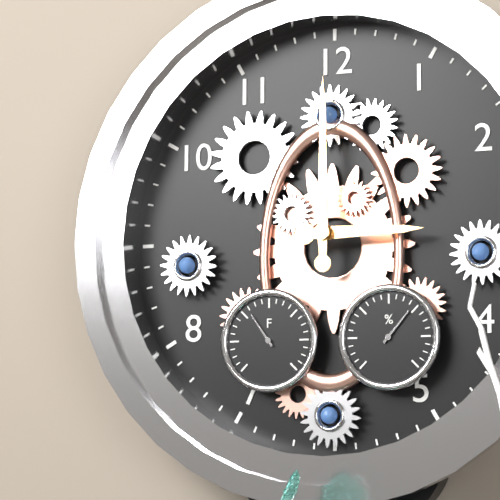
3 h 00 min
